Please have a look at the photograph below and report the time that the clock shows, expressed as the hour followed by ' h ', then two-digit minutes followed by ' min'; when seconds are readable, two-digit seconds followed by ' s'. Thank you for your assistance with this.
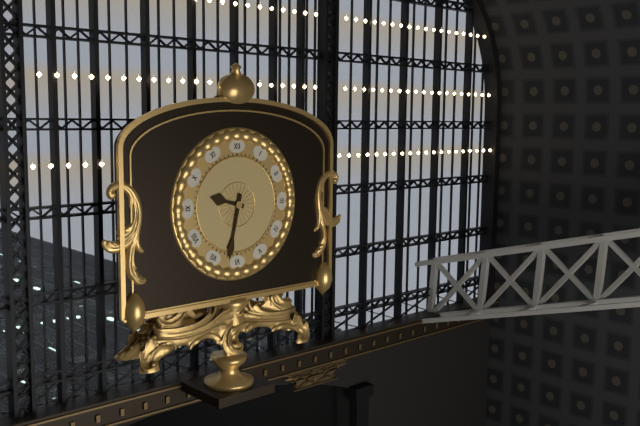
9 h 32 min
